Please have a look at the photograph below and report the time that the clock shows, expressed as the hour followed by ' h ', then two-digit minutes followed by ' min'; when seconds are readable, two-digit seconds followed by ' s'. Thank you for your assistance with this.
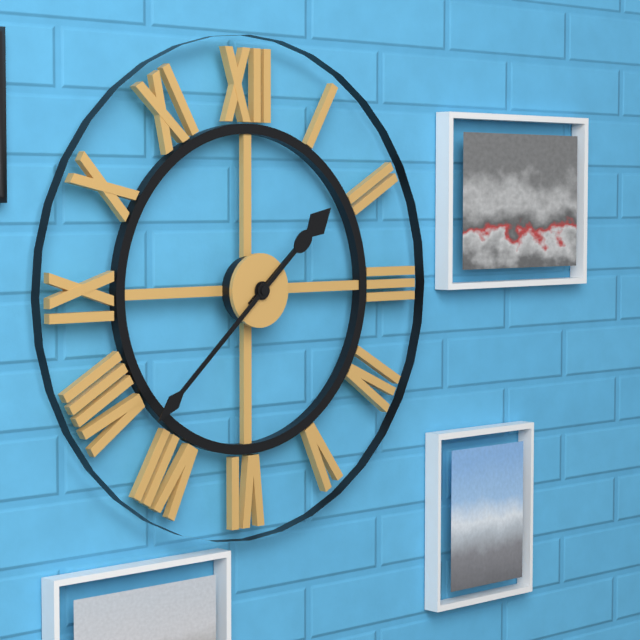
1 h 38 min
